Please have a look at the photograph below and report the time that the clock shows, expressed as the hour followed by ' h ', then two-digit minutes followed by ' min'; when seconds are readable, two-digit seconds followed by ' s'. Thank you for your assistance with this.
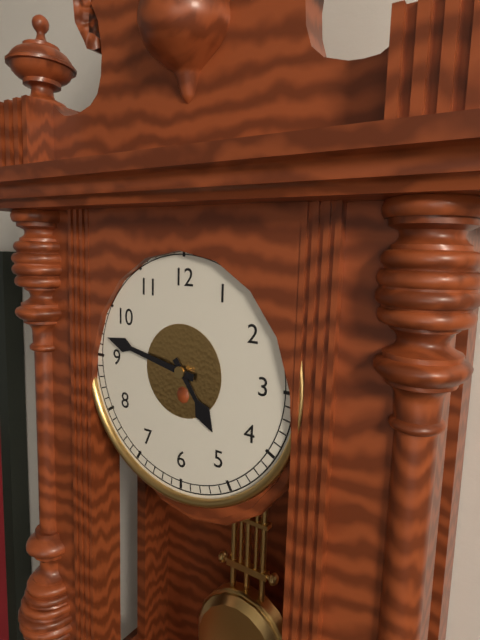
4 h 47 min
